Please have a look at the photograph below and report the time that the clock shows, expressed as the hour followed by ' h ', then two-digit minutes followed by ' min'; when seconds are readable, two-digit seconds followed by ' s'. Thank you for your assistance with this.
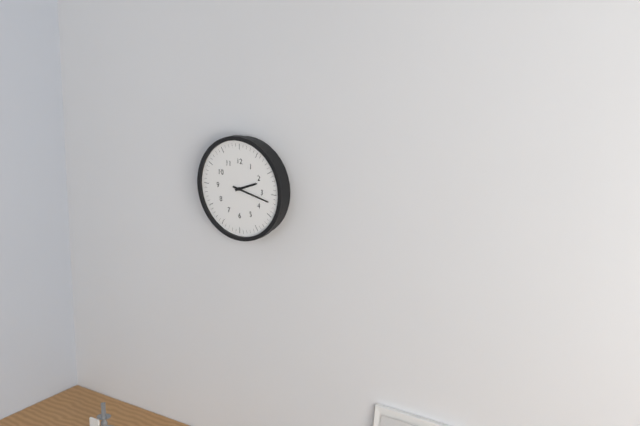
2 h 17 min
